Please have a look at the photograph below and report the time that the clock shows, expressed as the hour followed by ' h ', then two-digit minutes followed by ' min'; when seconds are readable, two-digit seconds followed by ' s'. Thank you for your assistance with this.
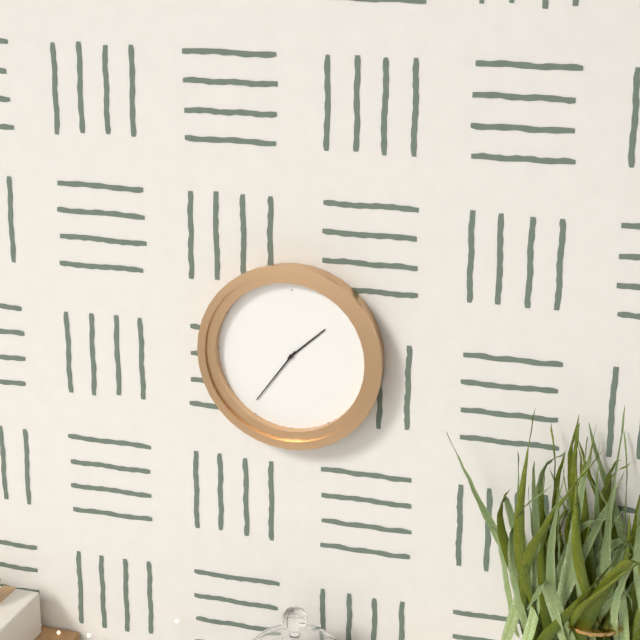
1 h 36 min
